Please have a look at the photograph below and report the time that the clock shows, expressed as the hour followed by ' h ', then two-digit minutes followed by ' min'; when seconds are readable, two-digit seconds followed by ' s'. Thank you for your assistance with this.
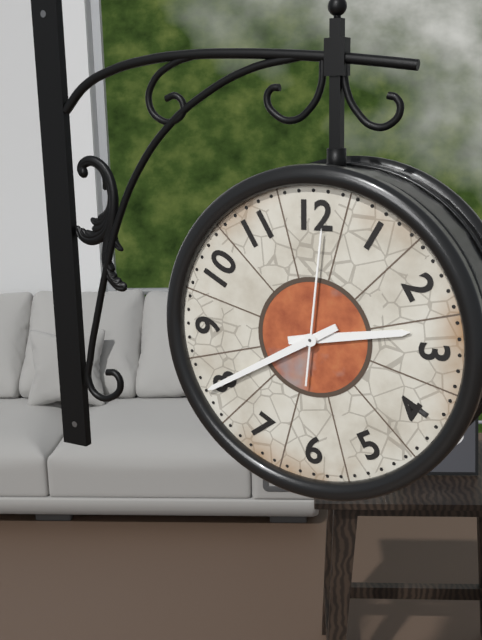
2 h 40 min 01 s
